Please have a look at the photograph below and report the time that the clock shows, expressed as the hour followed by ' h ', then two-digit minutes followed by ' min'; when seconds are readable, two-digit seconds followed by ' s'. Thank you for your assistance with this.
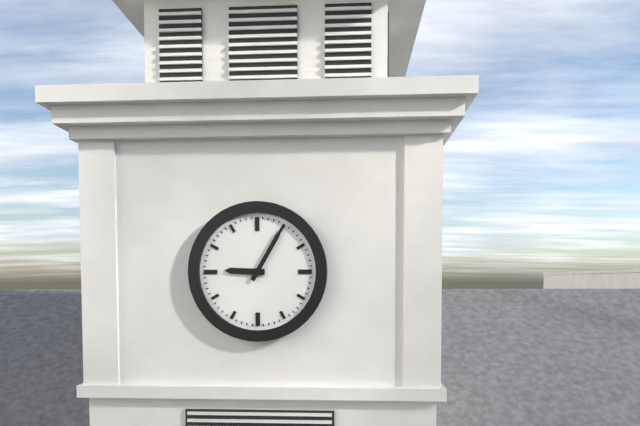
9 h 05 min
